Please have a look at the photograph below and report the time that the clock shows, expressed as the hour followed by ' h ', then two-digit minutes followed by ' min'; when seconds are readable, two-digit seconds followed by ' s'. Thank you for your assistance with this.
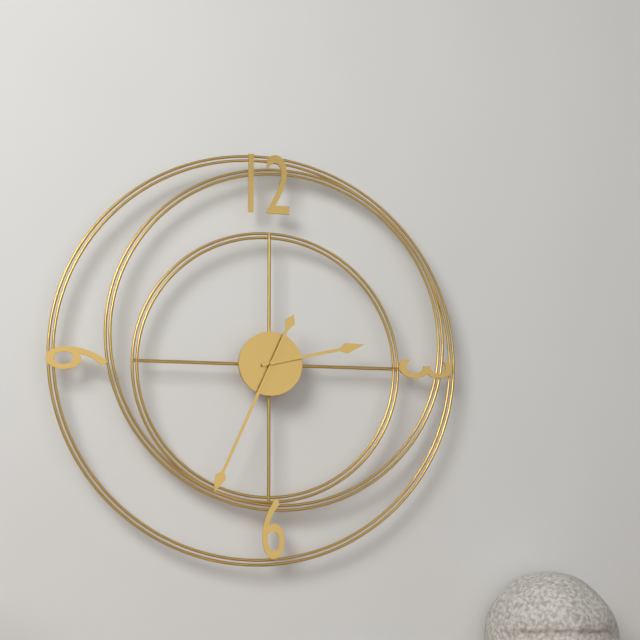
2 h 34 min
